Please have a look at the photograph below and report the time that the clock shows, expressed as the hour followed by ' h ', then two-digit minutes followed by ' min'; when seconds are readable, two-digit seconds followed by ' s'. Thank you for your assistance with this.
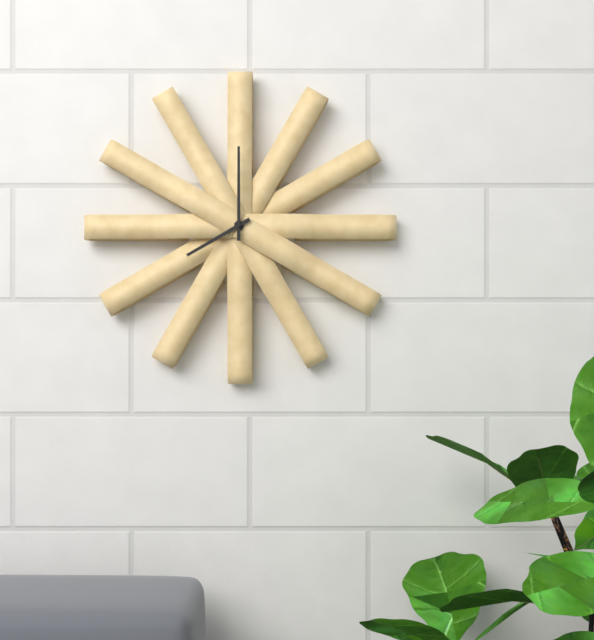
8 h 00 min
